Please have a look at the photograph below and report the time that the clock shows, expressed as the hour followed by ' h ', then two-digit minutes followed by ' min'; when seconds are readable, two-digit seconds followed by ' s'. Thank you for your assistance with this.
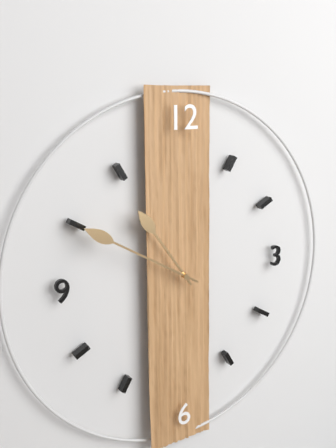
10 h 50 min
